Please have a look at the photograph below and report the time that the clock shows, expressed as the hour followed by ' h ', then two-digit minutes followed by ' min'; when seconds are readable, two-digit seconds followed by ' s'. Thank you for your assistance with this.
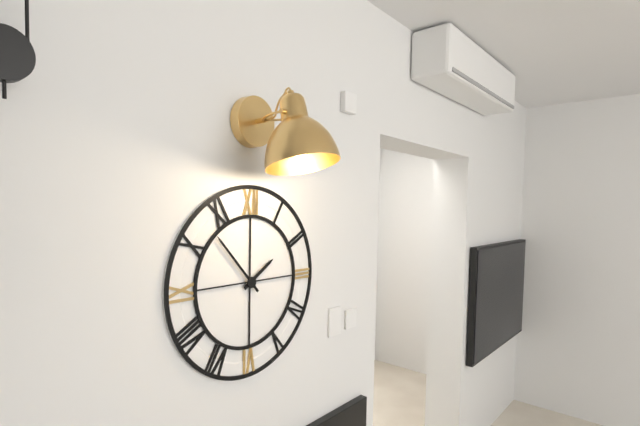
1 h 53 min
